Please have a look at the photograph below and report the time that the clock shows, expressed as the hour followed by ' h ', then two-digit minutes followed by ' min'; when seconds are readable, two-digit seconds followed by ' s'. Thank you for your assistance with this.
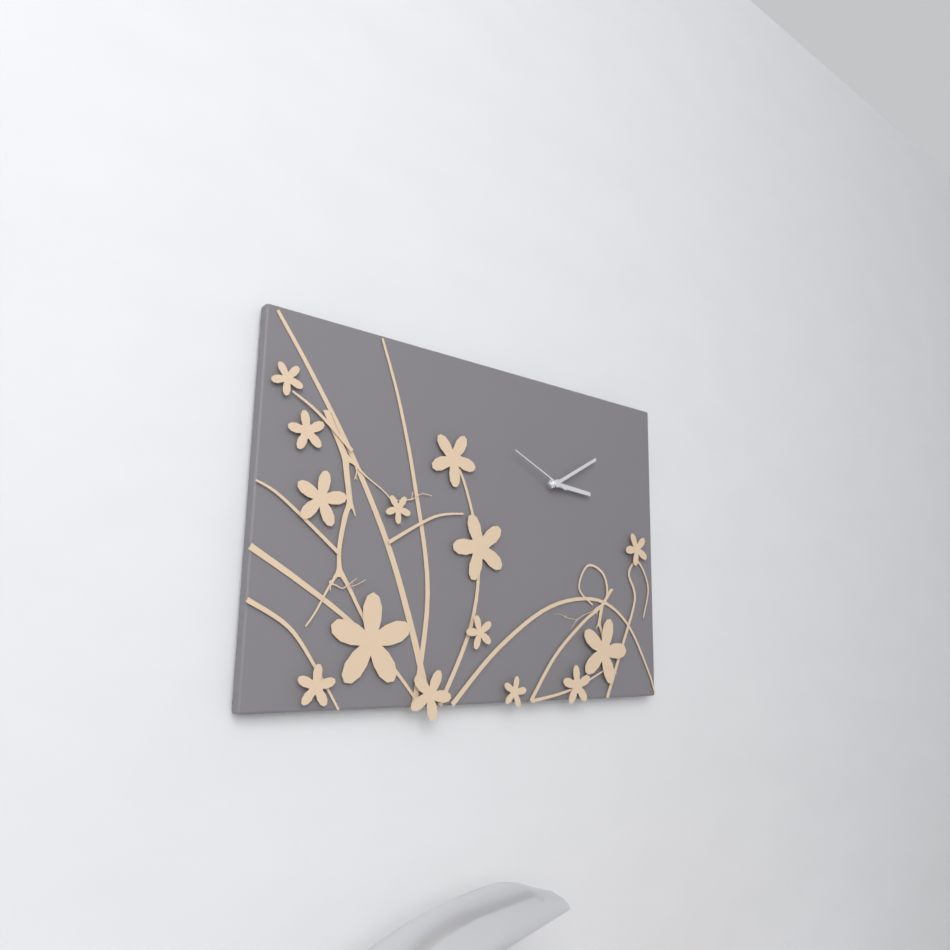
3 h 10 min 49 s
